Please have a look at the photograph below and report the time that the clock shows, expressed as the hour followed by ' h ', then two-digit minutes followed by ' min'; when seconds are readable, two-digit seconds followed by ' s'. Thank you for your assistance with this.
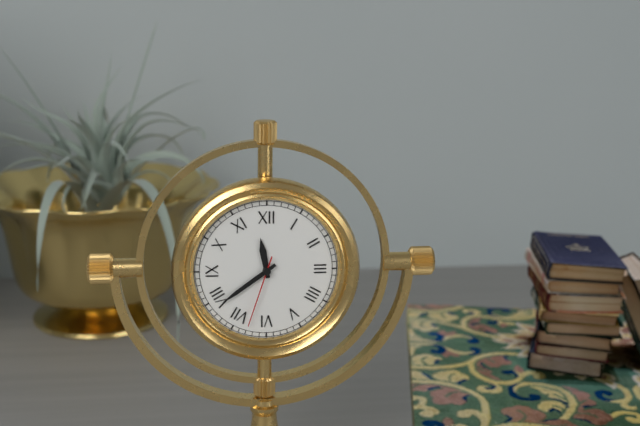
11 h 39 min 33 s
